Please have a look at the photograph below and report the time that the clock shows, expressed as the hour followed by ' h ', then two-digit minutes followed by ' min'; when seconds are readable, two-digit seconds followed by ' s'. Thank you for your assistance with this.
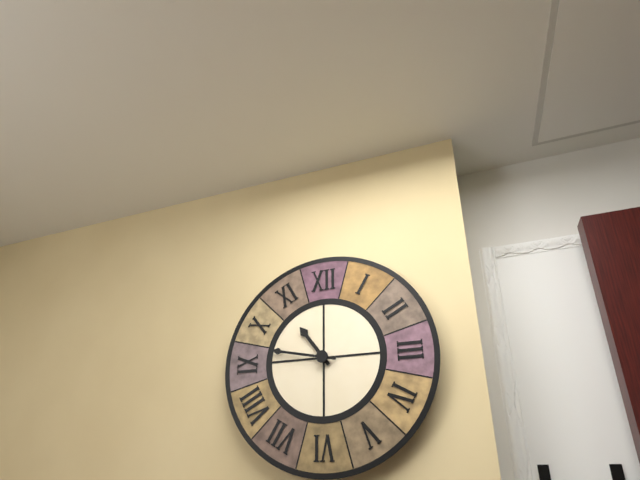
10 h 47 min
